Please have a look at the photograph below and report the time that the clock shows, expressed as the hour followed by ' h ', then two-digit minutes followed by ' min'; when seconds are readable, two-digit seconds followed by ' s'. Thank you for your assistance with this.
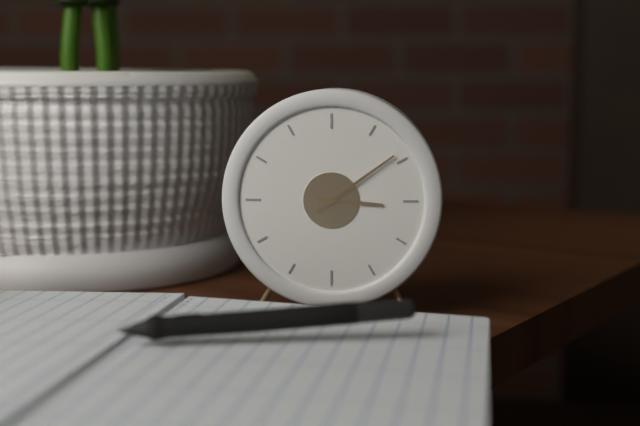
3 h 09 min
